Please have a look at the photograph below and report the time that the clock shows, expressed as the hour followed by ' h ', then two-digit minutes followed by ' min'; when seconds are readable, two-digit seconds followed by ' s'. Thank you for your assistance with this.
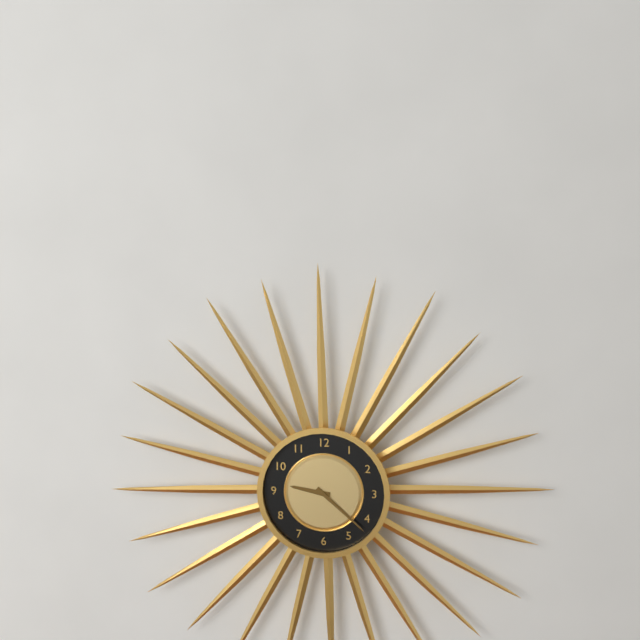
9 h 22 min
